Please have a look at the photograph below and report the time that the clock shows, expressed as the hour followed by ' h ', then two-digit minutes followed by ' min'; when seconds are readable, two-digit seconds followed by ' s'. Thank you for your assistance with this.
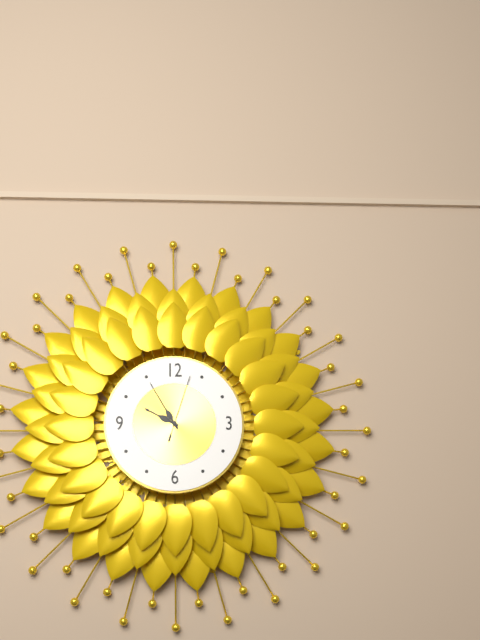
9 h 55 min 03 s
